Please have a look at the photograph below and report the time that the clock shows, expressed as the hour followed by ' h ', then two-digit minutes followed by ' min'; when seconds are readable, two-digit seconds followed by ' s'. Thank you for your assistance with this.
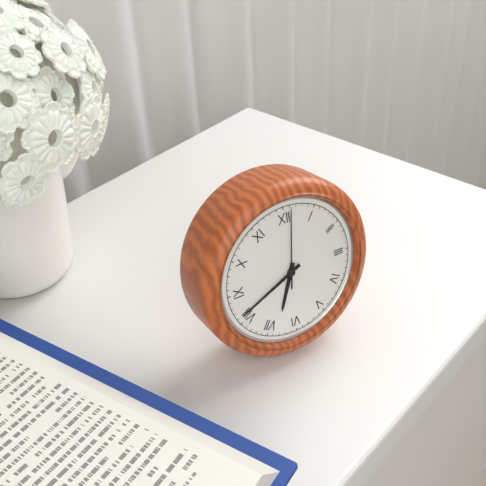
6 h 41 min 01 s
